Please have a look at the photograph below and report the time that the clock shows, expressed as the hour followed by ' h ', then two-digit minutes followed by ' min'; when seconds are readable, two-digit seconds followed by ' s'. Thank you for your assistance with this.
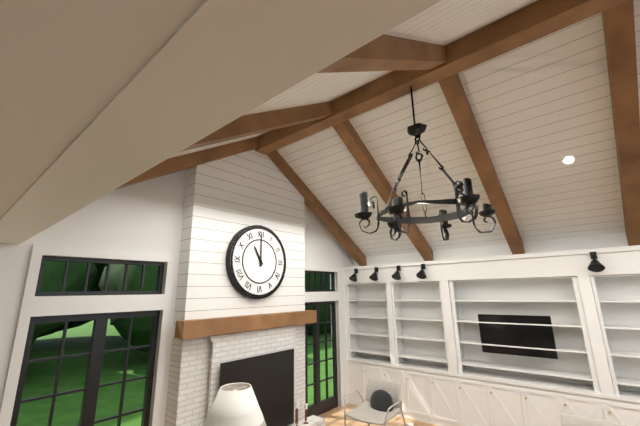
11 h 00 min
